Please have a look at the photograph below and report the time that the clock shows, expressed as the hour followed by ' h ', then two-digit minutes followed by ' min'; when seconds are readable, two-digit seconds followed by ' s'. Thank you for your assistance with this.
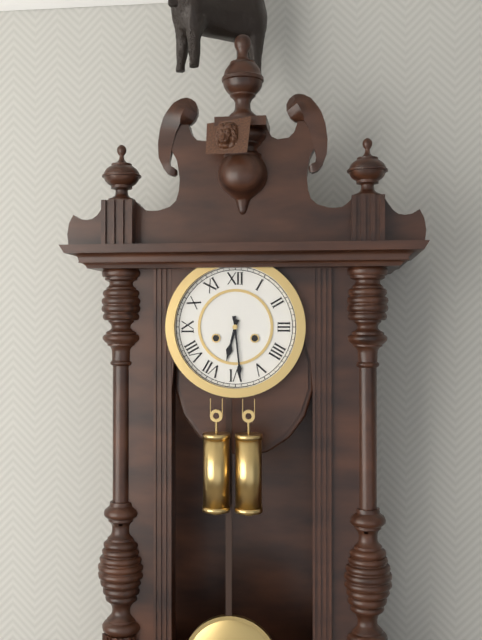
6 h 29 min
